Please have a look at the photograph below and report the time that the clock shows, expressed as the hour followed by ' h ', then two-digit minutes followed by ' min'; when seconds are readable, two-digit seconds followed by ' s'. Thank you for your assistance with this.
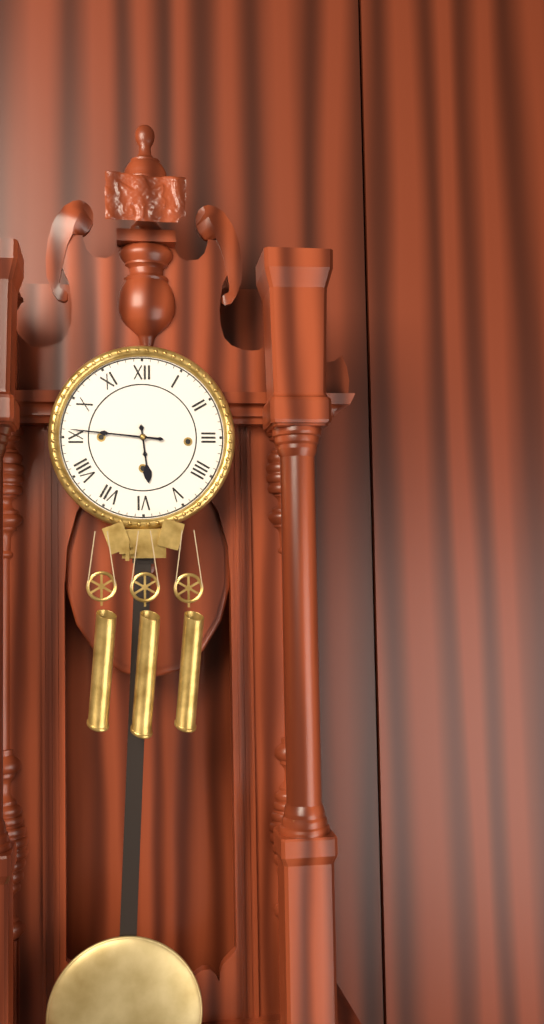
5 h 46 min
